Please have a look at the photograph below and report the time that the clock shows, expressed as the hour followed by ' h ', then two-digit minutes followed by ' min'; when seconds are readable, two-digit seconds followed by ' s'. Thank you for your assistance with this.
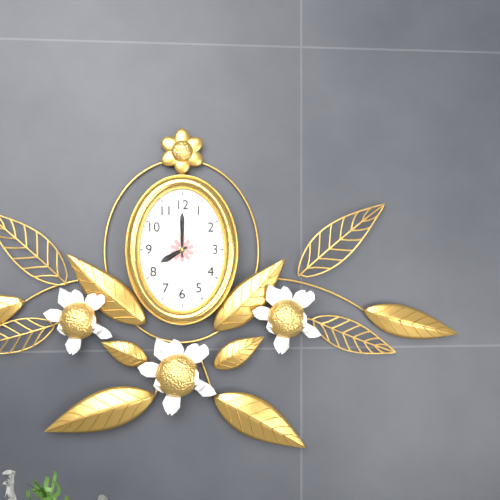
8 h 00 min
